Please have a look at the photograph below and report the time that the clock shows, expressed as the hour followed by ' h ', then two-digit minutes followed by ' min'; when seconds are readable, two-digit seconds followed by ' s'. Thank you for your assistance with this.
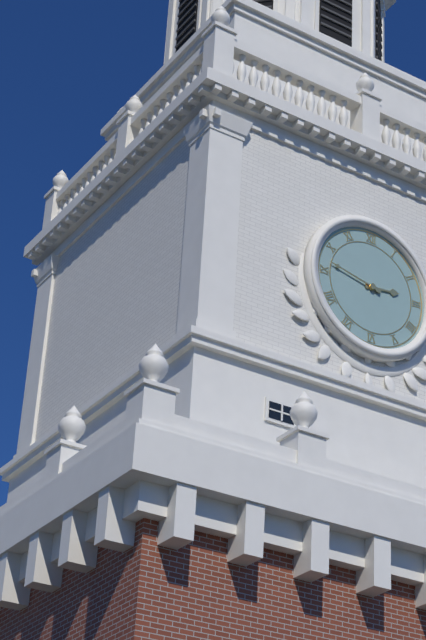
2 h 47 min
